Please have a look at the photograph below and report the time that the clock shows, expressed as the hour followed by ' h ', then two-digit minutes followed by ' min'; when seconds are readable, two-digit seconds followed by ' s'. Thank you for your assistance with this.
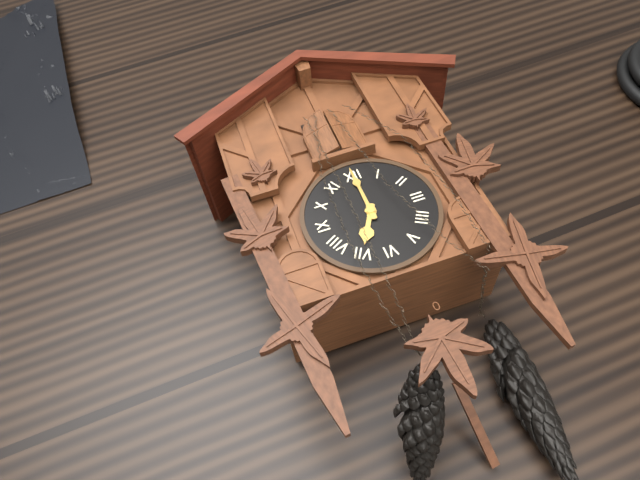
7 h 00 min
